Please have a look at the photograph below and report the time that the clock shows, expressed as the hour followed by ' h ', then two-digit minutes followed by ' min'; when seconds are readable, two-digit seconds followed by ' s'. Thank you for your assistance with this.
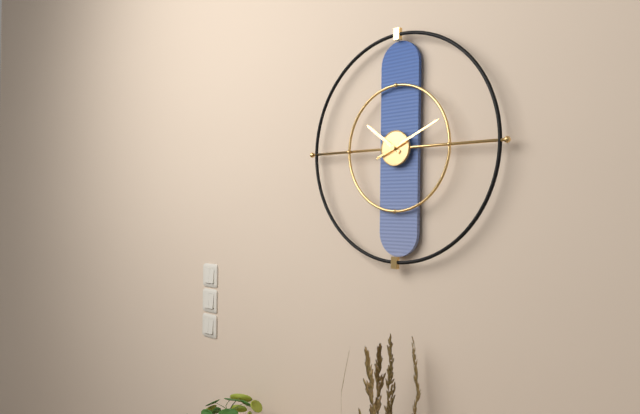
10 h 11 min
